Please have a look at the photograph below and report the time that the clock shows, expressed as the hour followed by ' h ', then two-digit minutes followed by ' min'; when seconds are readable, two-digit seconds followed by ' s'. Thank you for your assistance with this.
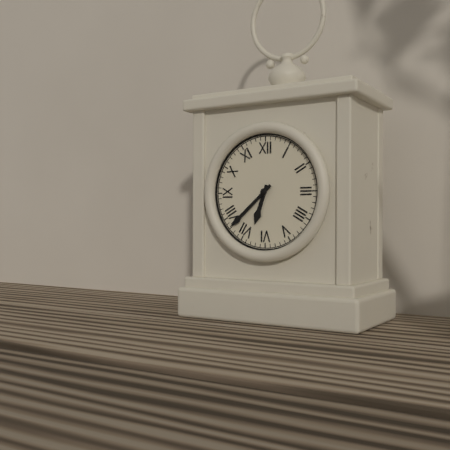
6 h 38 min
